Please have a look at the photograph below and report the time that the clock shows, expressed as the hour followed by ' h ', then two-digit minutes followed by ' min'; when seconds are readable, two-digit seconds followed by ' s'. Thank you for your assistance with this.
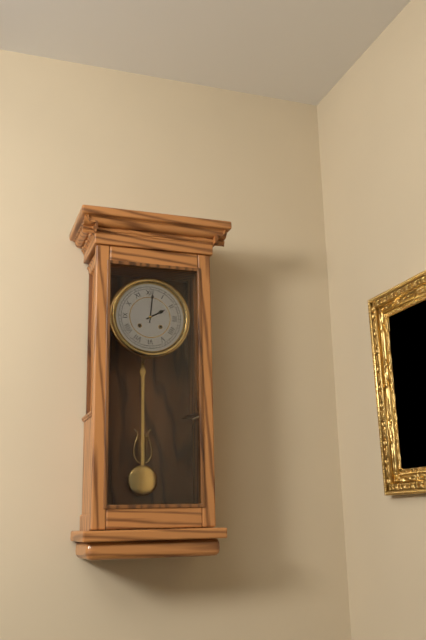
2 h 01 min
